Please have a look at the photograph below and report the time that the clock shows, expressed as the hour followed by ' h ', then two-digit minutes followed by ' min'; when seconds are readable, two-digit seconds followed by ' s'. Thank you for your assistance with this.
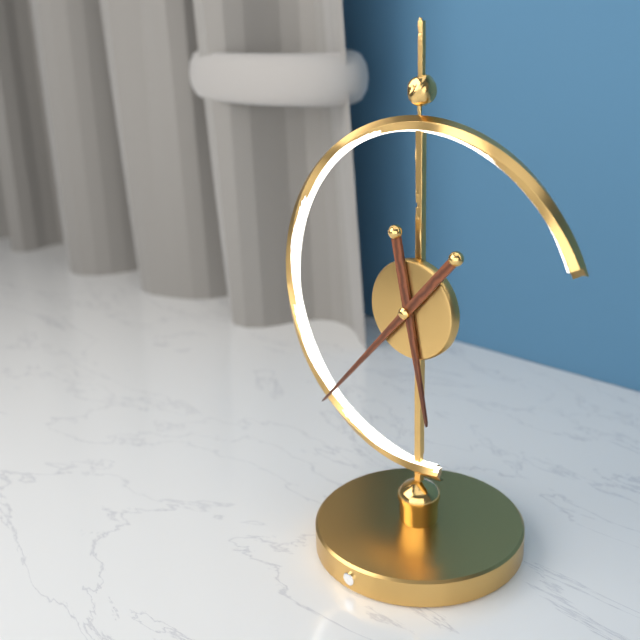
5 h 37 min
